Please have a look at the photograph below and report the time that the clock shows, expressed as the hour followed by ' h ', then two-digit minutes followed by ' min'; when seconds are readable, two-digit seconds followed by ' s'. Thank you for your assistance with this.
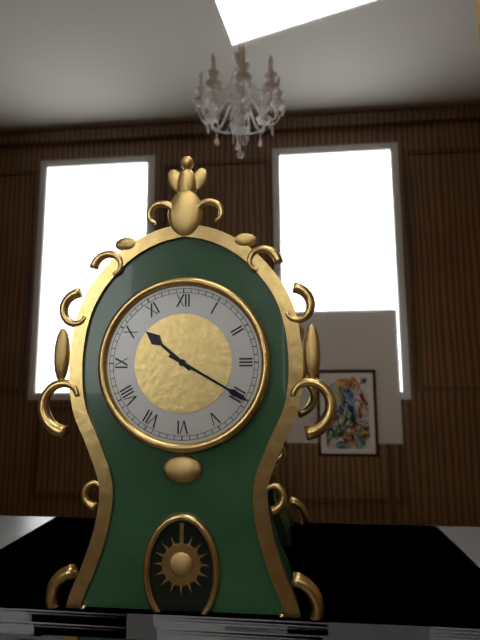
10 h 20 min
